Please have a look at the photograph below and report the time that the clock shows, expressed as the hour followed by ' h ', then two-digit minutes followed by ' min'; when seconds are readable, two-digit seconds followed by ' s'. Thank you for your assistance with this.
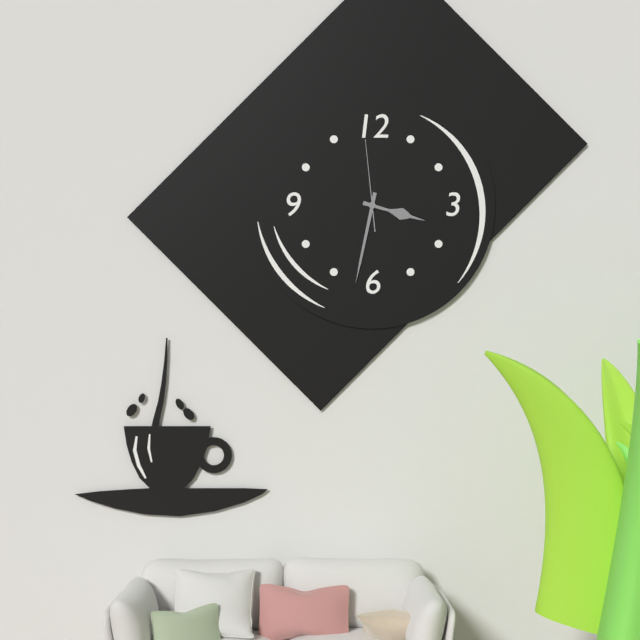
3 h 32 min 59 s
